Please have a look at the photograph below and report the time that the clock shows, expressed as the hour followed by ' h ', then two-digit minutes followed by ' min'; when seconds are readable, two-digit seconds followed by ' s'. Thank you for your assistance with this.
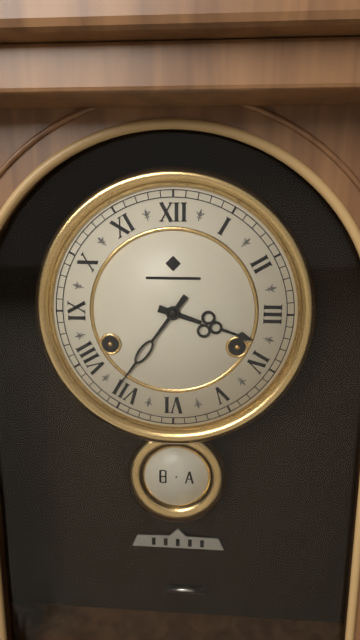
3 h 36 min
